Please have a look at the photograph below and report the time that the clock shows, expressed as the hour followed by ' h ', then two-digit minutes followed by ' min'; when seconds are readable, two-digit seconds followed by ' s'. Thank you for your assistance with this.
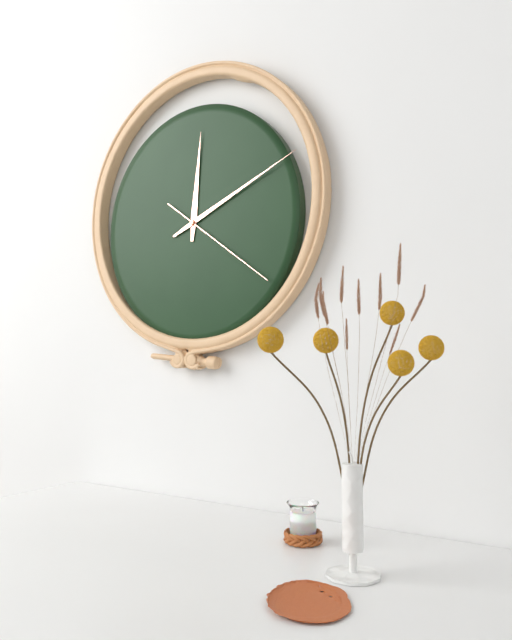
12 h 11 min 21 s
